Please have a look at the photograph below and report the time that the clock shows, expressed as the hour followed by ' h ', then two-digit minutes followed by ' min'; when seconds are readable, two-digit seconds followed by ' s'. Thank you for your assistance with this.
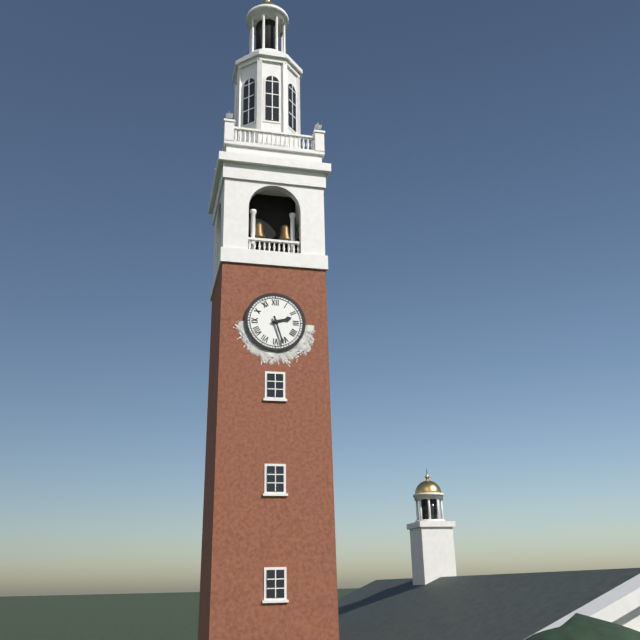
2 h 27 min
